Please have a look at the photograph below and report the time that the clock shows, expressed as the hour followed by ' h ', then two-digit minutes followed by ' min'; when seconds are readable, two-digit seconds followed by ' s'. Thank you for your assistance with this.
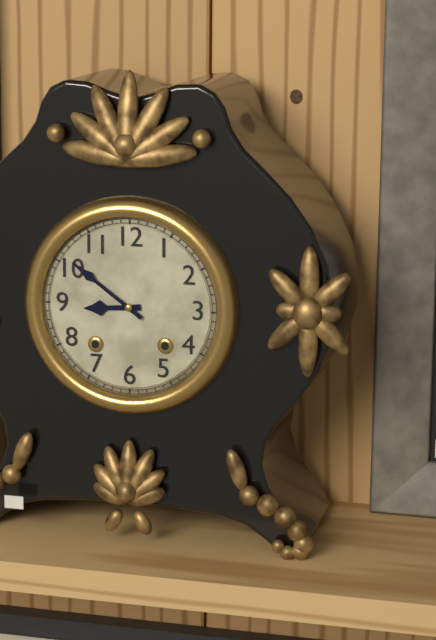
8 h 51 min
